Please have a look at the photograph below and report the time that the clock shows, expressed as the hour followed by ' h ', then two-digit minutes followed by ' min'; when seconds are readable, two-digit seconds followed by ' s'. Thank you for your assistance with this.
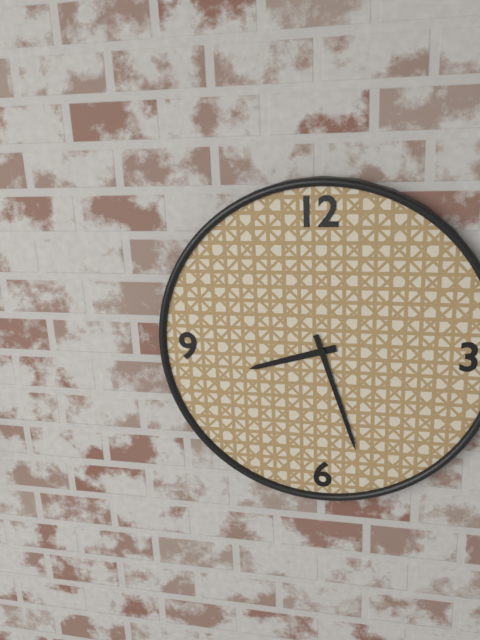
8 h 27 min
